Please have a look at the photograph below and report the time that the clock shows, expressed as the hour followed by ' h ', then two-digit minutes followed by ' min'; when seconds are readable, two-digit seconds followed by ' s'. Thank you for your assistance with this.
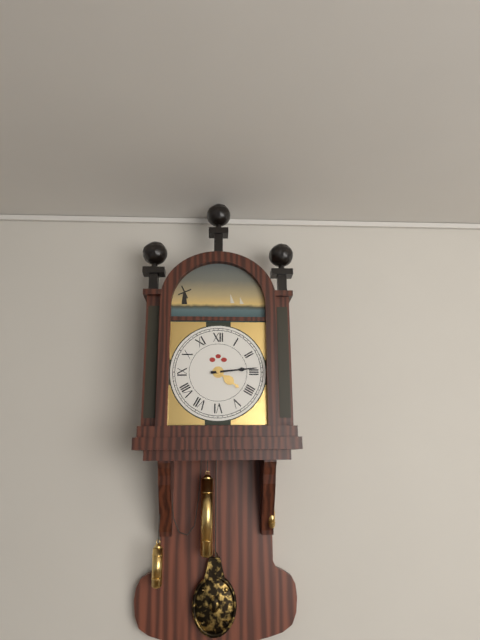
4 h 14 min
